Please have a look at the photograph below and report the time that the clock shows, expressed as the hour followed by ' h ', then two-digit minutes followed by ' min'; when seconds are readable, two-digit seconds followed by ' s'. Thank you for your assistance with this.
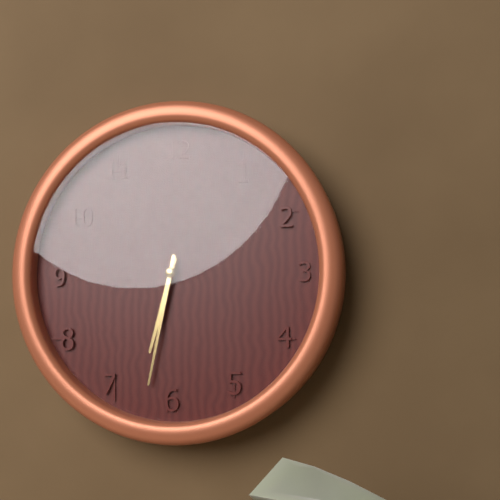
6 h 32 min
